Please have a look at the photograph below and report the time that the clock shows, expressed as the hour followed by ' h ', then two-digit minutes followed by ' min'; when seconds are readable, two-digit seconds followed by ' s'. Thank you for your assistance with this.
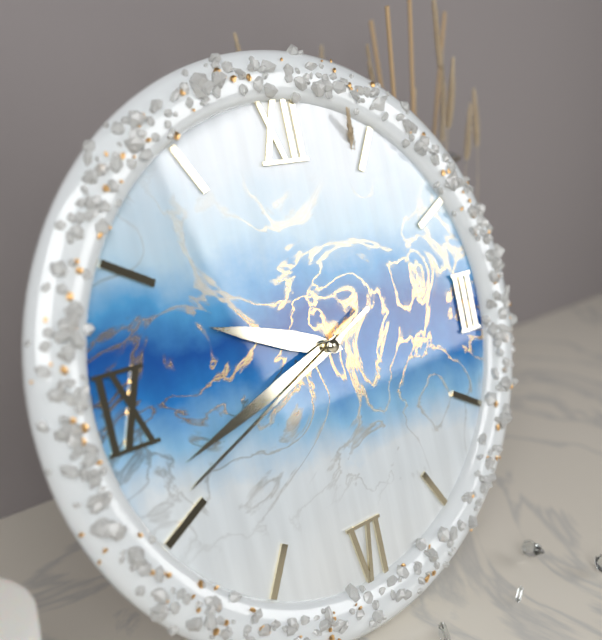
9 h 42 min 41 s
